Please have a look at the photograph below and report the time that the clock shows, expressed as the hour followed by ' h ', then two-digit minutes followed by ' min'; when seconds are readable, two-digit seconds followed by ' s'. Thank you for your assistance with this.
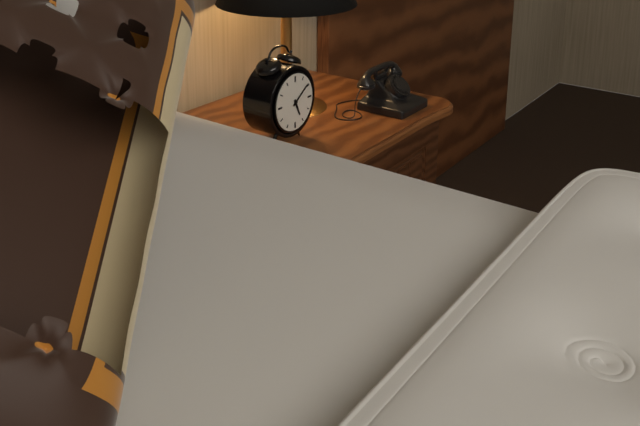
5 h 09 min
